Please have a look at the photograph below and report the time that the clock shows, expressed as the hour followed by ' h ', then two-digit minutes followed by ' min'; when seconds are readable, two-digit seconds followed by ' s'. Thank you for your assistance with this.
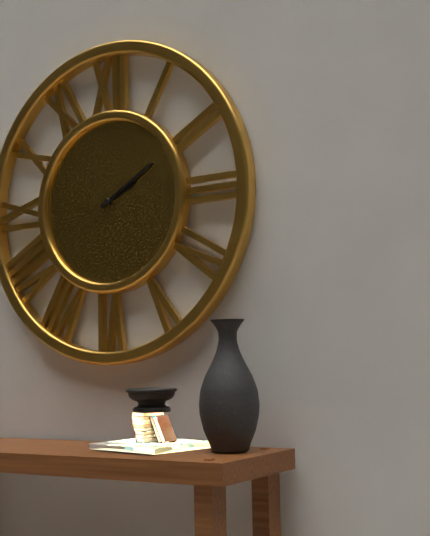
2 h 10 min
